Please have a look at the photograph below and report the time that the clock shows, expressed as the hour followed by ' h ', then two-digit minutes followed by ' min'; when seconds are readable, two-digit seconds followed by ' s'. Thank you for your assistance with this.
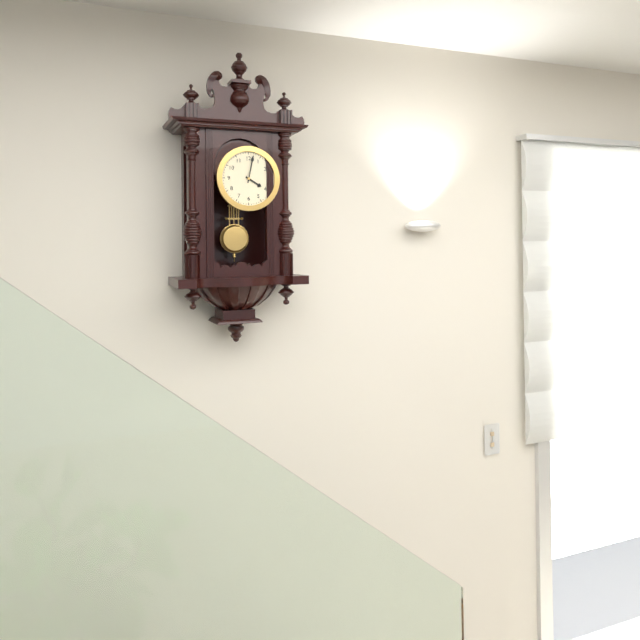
4 h 02 min
